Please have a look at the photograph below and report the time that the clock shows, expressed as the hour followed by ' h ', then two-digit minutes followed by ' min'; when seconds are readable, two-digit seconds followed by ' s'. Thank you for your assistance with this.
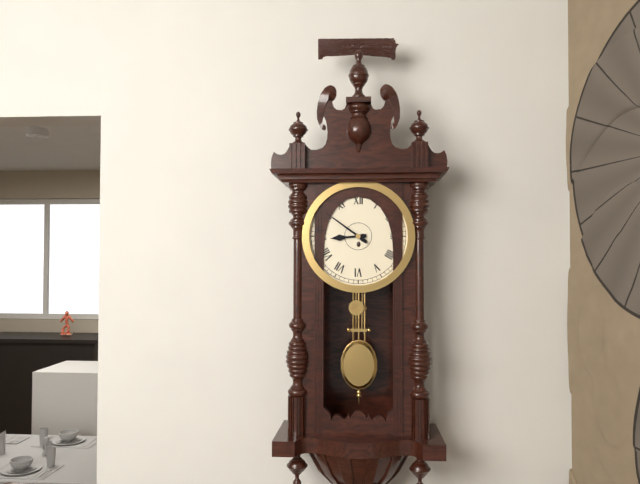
8 h 51 min
